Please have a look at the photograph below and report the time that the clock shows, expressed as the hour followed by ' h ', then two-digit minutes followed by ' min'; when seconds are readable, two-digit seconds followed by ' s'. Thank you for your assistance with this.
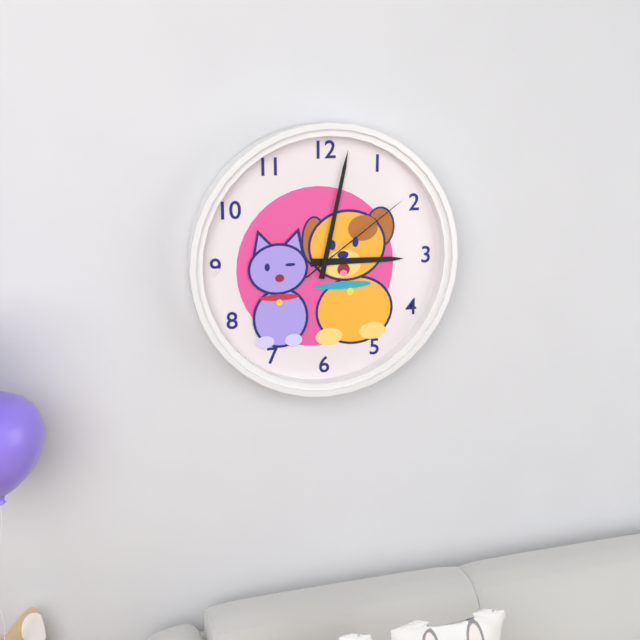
3 h 02 min 09 s
